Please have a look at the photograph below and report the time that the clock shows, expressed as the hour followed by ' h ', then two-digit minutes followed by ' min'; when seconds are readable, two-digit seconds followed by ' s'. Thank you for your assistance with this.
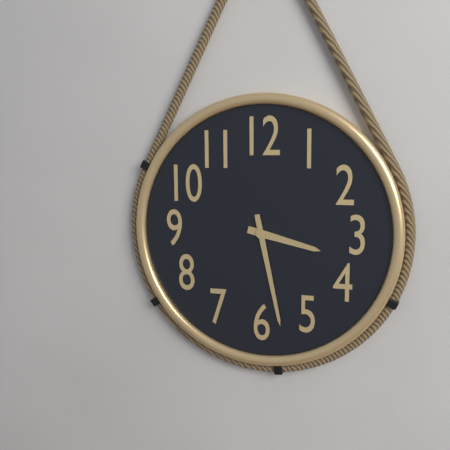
3 h 28 min
